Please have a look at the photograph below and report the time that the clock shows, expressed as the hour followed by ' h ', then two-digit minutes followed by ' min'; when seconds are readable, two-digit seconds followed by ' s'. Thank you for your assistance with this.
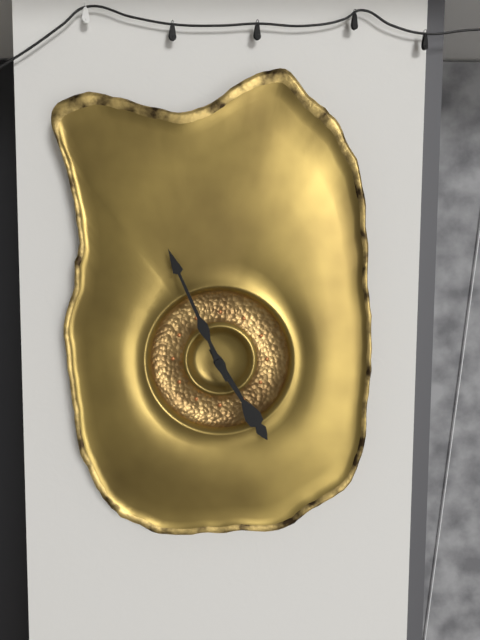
4 h 56 min
